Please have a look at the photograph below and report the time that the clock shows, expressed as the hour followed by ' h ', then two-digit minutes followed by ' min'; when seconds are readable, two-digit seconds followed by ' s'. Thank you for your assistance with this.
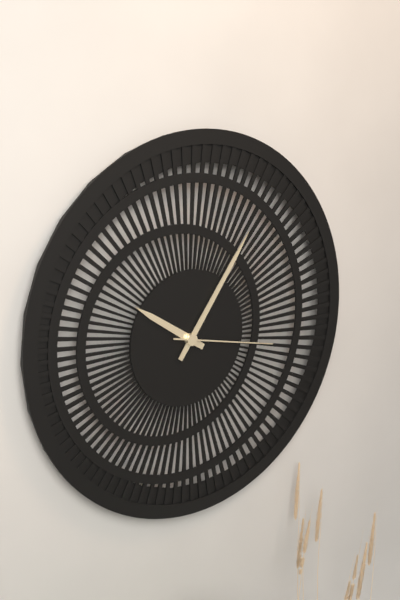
10 h 06 min 17 s
